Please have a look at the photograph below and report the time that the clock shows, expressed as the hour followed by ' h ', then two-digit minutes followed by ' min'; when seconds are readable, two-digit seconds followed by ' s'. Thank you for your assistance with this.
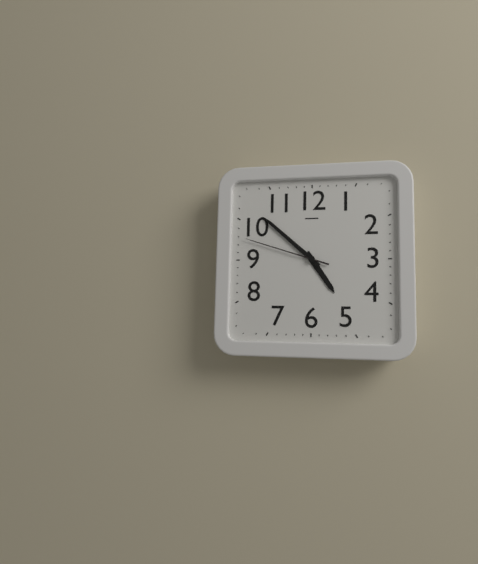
4 h 52 min 48 s
